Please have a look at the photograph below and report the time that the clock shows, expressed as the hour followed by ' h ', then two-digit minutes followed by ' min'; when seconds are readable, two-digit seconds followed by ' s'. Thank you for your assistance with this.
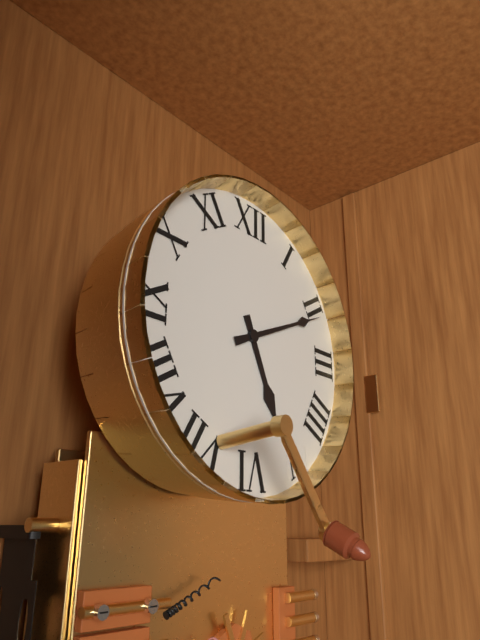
5 h 11 min
